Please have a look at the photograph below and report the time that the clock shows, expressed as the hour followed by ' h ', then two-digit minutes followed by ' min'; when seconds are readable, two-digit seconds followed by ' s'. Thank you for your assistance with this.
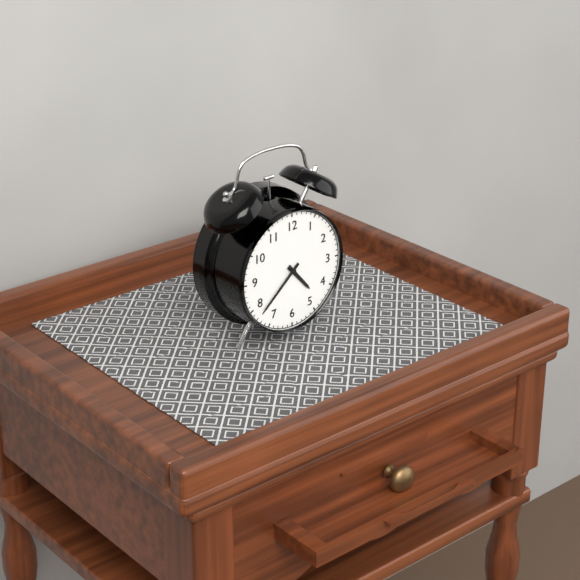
4 h 38 min
